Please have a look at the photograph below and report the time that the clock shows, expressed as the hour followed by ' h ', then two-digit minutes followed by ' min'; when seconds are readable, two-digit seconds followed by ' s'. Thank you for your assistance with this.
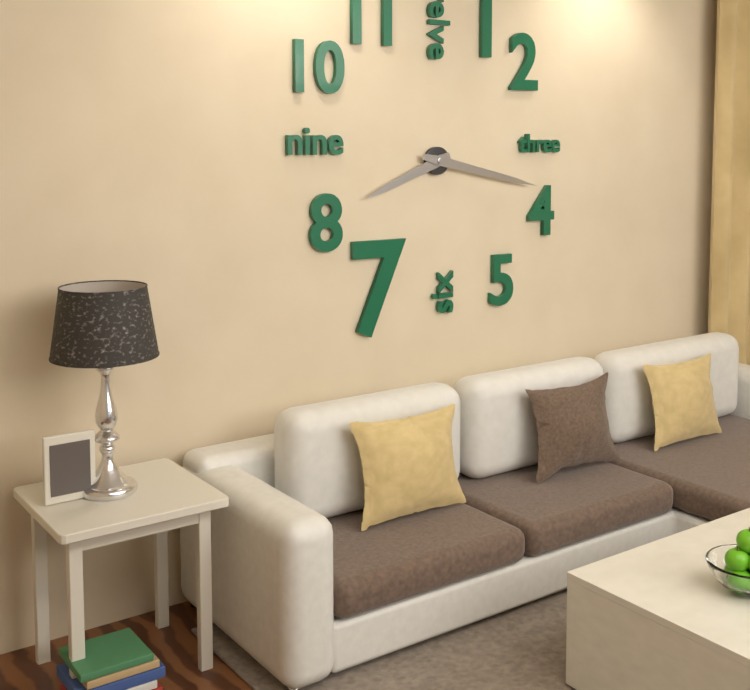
8 h 17 min
